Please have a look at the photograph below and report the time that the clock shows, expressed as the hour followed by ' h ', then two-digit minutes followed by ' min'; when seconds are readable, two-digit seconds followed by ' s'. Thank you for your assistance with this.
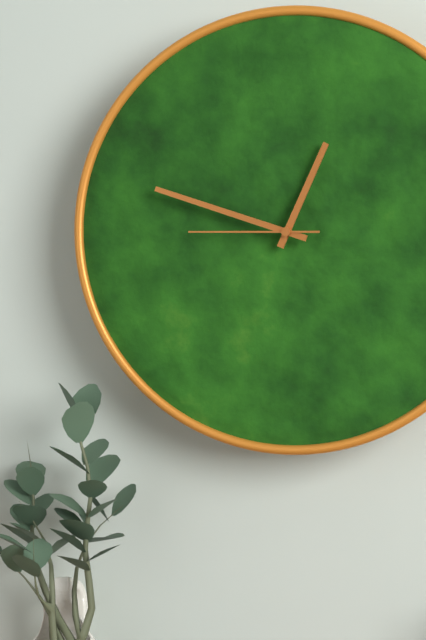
12 h 48 min 45 s
